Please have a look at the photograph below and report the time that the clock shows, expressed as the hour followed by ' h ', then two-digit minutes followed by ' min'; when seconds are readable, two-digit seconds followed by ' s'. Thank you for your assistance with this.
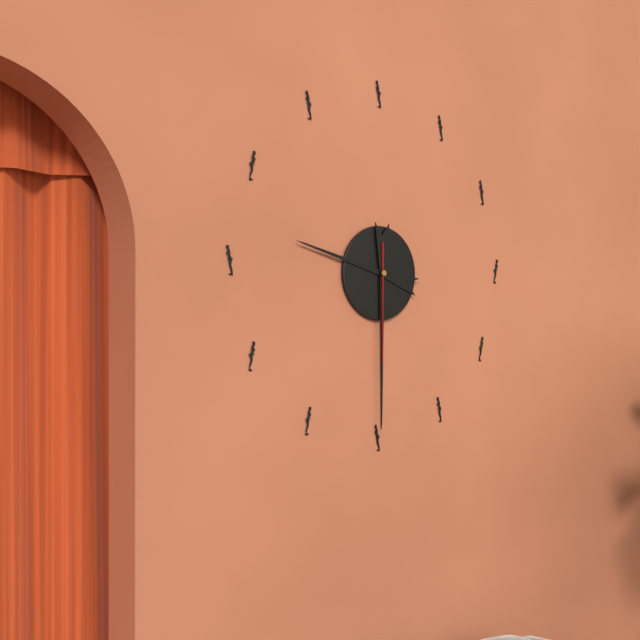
9 h 30 min 30 s
